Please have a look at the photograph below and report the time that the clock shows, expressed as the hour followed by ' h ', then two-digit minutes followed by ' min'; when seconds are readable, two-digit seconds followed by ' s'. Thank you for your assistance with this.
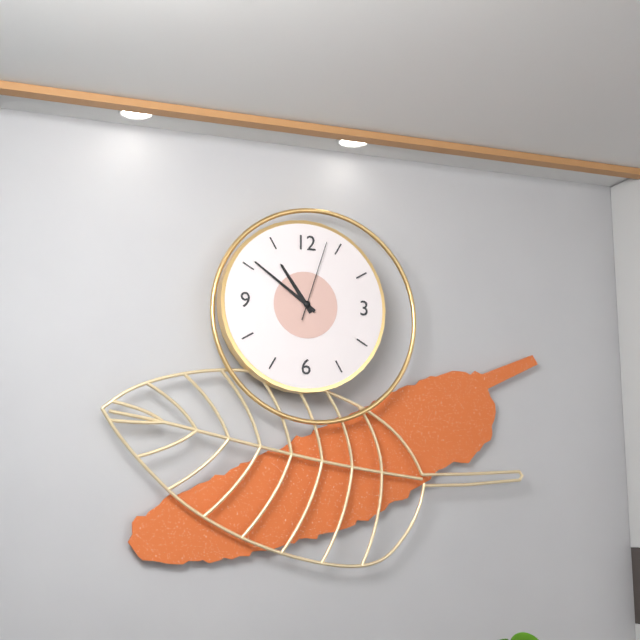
10 h 51 min 03 s
